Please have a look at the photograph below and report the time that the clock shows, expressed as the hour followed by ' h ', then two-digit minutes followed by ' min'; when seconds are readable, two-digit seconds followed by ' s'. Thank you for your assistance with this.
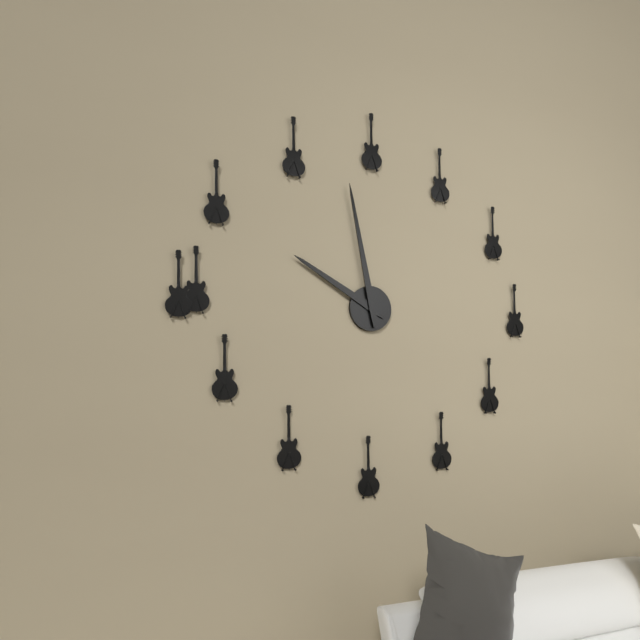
9 h 58 min
